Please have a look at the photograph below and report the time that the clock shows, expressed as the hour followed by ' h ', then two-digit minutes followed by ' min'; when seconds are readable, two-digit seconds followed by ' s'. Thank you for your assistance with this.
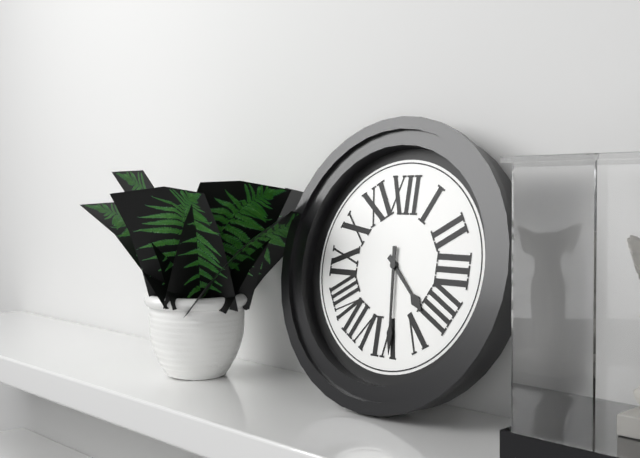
4 h 29 min
